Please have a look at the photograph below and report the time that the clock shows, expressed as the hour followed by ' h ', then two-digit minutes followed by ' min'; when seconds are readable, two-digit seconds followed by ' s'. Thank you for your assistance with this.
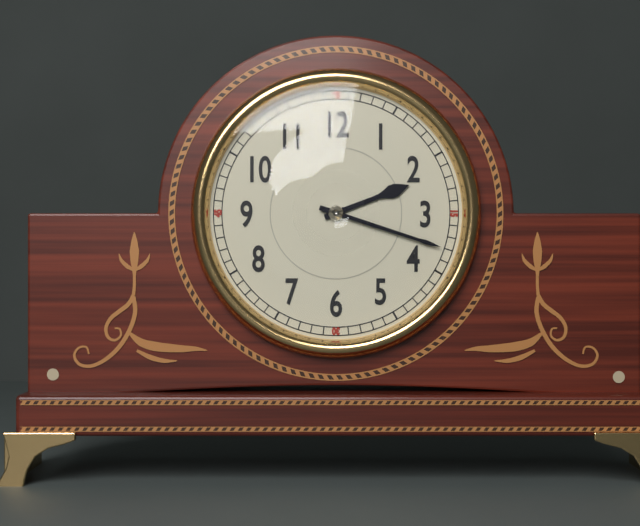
2 h 18 min
